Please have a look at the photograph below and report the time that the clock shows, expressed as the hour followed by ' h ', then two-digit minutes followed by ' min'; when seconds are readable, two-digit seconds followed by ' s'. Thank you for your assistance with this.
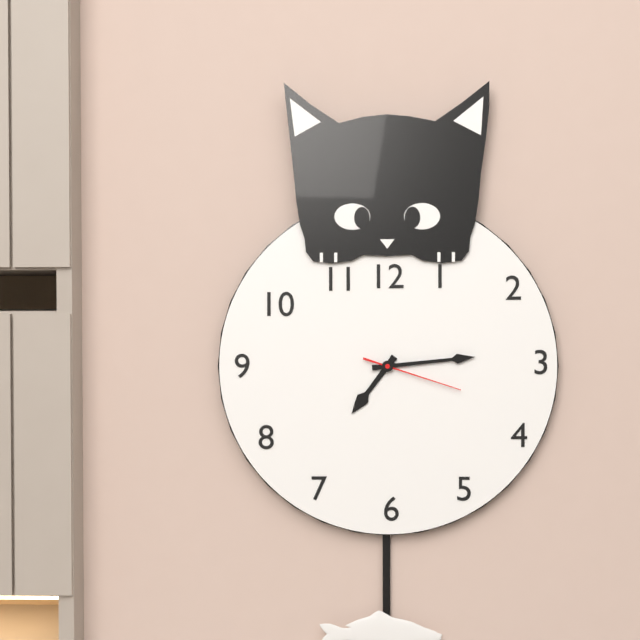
7 h 14 min 18 s
